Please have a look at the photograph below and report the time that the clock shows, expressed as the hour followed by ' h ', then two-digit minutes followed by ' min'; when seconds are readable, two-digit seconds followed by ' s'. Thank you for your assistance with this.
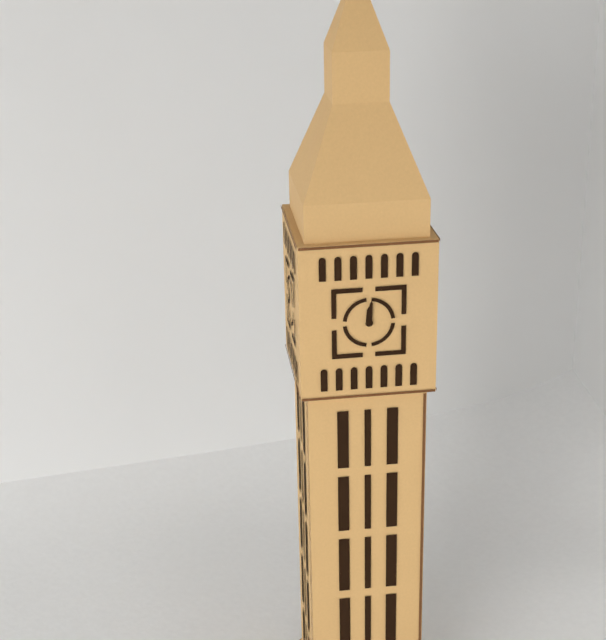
12 h 01 min
